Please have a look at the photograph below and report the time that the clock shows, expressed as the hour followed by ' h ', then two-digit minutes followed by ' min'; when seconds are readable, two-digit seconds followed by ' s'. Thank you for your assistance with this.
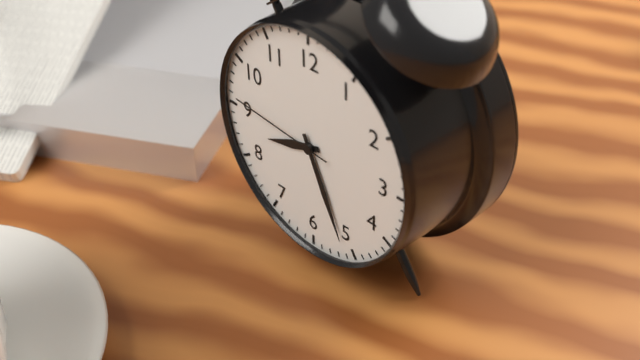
8 h 26 min 46 s
